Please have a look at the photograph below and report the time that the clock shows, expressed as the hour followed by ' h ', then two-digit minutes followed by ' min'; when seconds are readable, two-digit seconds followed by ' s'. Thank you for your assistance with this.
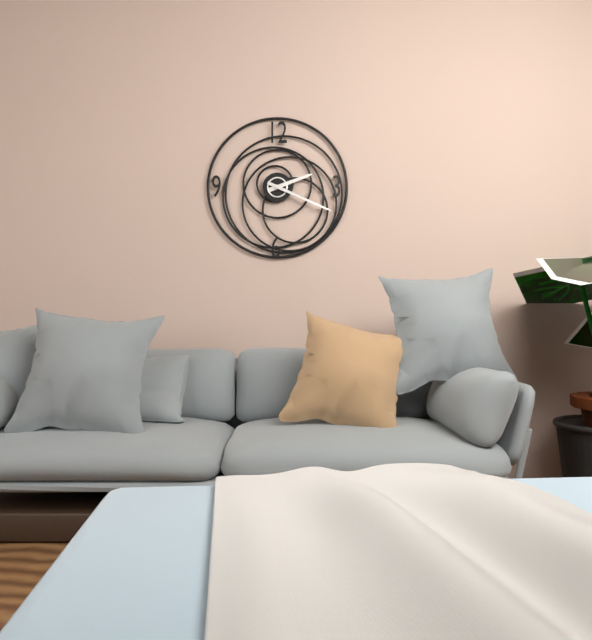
2 h 19 min
